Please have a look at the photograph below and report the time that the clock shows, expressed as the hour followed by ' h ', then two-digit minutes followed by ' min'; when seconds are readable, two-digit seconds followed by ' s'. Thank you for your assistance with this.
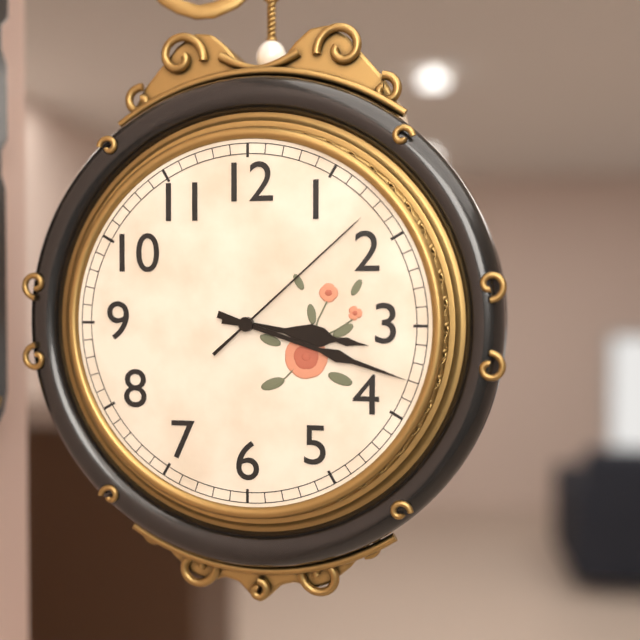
3 h 18 min 08 s
